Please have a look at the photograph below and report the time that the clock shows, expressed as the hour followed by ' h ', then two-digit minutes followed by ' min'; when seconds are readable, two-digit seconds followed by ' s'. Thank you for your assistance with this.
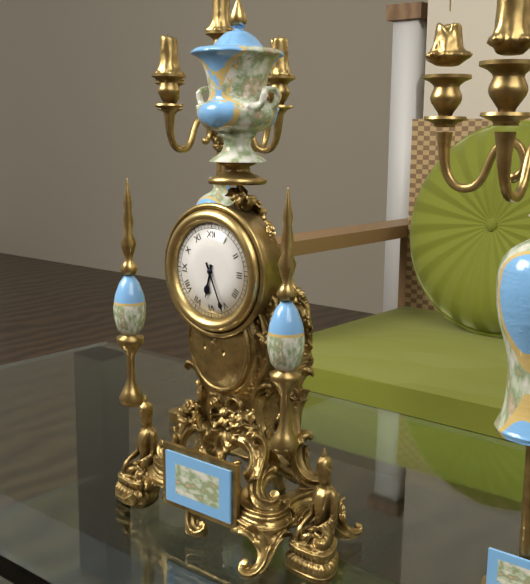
6 h 26 min
